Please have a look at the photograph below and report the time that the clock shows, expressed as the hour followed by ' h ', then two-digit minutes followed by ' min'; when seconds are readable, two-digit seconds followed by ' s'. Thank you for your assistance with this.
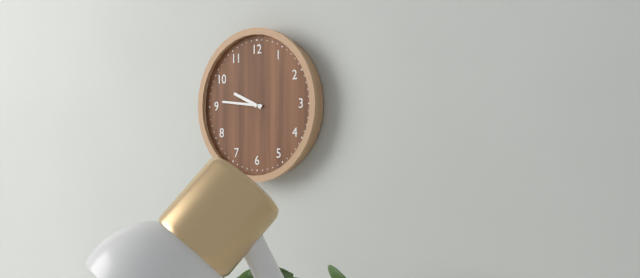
9 h 46 min
